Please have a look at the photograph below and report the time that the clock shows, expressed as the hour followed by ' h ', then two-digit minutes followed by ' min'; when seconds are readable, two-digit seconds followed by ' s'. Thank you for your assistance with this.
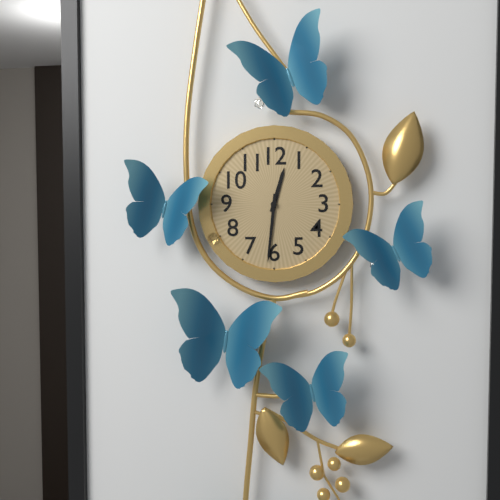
12 h 31 min
